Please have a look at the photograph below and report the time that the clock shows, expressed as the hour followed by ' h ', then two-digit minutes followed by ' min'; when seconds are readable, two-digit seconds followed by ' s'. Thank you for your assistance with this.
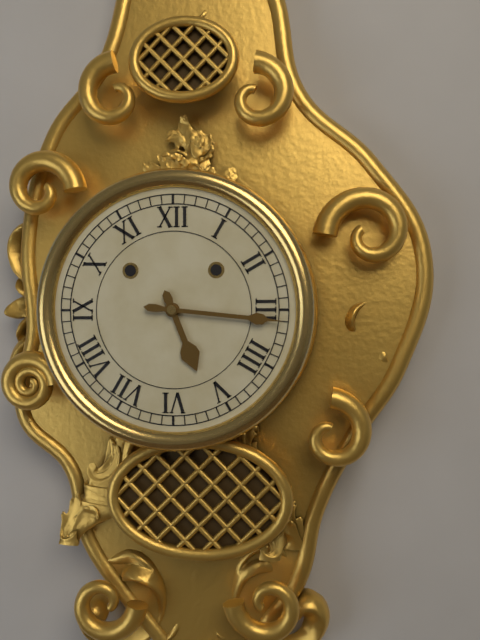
5 h 16 min
